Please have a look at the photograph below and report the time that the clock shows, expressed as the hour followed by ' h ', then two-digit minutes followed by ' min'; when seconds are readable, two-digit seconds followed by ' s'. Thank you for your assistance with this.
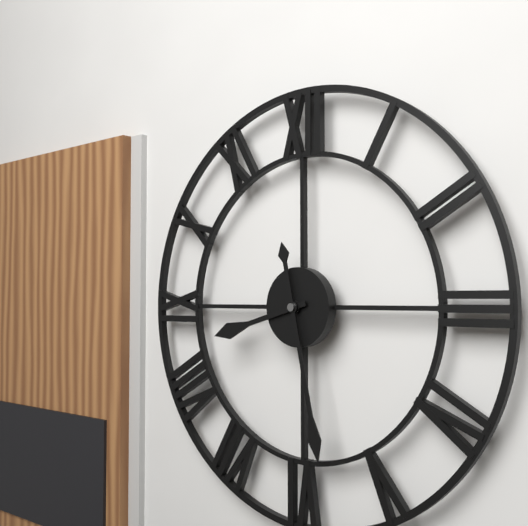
8 h 28 min
